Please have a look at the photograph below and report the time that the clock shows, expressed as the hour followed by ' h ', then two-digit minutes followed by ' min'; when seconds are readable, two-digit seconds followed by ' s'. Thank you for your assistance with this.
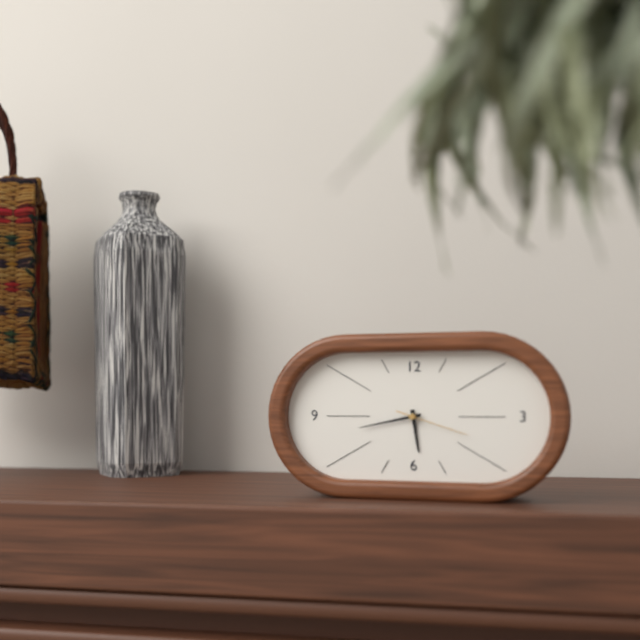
5 h 43 min 18 s
